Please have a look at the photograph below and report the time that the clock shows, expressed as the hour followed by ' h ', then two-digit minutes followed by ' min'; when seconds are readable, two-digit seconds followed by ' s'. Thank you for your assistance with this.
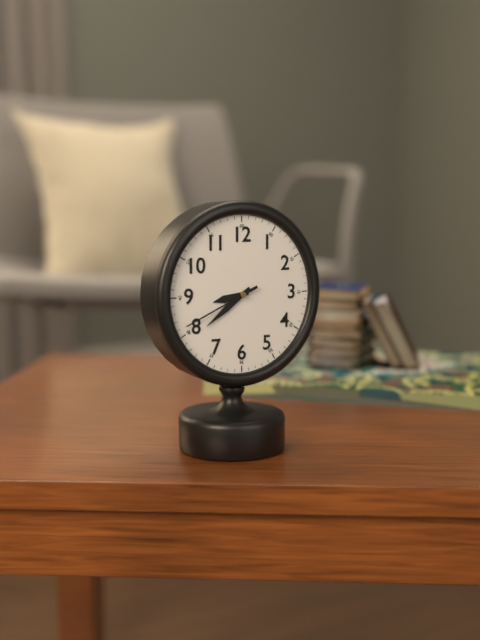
8 h 39 min 41 s
